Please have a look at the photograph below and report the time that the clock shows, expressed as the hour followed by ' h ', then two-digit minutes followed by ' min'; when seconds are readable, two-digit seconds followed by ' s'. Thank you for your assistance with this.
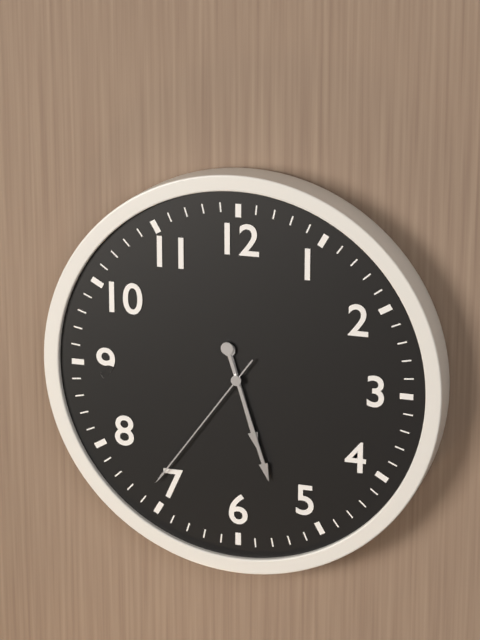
5 h 27 min 36 s
